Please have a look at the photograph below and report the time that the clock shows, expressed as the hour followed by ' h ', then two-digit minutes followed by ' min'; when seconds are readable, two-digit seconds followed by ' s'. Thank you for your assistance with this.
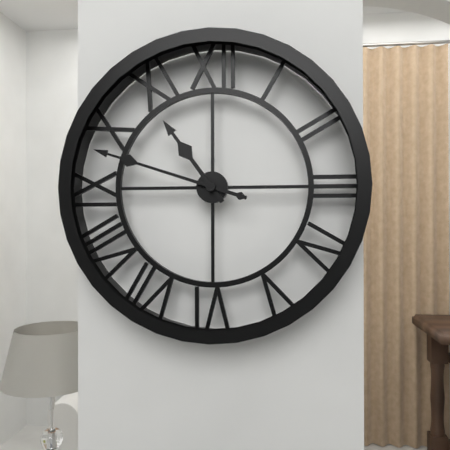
10 h 48 min
